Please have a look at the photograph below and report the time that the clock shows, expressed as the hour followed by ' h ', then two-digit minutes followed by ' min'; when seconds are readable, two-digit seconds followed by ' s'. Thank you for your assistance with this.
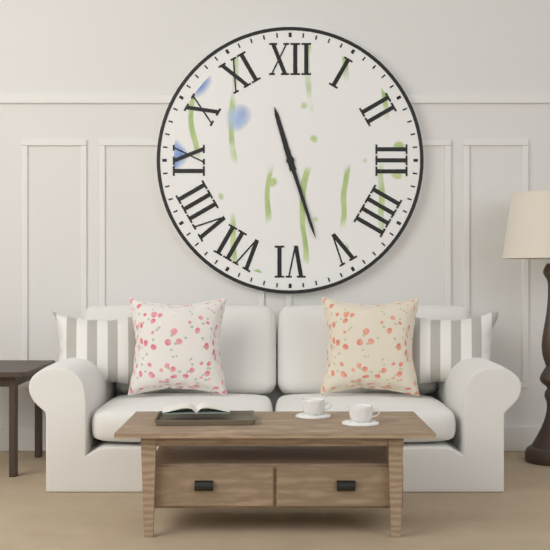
11 h 27 min
